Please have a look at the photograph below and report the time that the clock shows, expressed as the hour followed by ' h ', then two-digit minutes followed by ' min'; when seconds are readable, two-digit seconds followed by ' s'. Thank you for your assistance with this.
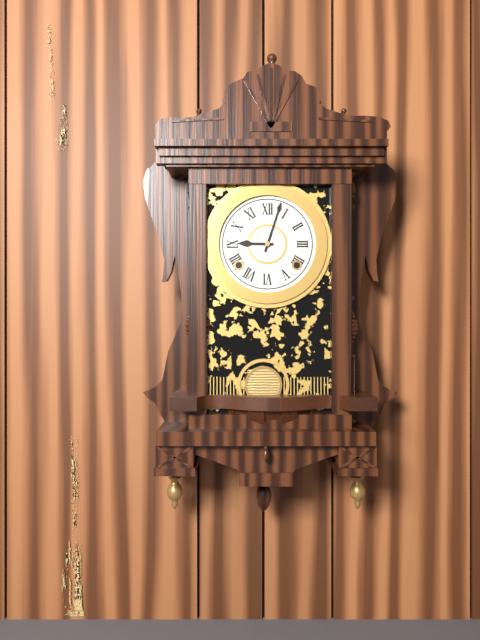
9 h 03 min
